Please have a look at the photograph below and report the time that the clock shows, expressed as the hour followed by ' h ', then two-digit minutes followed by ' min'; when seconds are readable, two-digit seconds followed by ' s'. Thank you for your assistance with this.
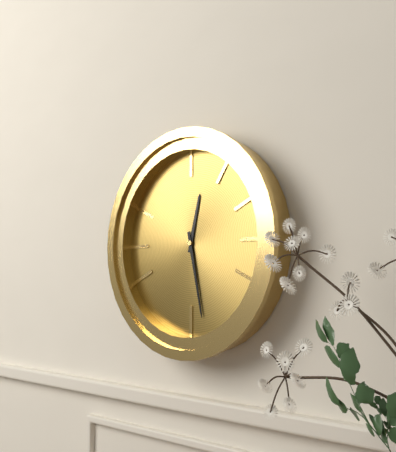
12 h 28 min
